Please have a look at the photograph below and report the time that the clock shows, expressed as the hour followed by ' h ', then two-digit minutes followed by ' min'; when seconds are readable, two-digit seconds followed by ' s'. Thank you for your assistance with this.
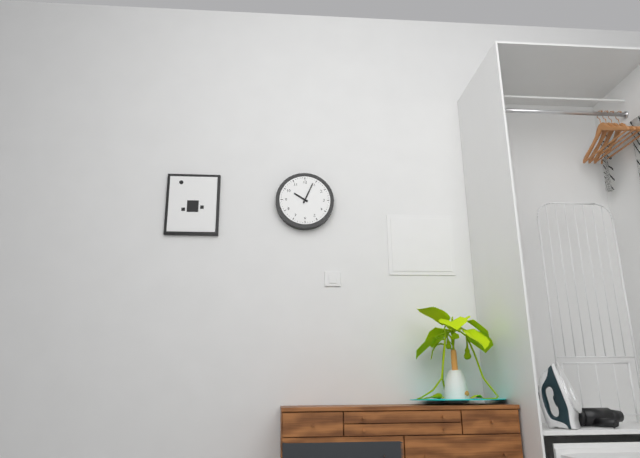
10 h 04 min
